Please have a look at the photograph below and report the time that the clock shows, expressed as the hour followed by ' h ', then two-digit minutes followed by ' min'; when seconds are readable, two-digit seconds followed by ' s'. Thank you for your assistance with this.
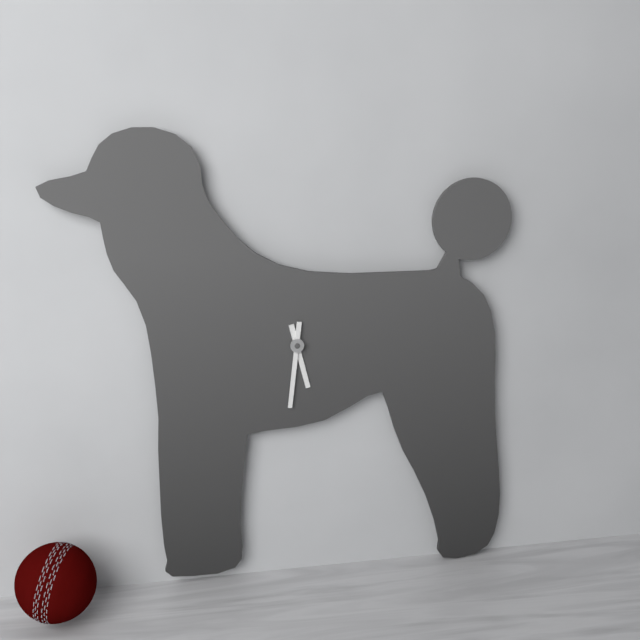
5 h 31 min
